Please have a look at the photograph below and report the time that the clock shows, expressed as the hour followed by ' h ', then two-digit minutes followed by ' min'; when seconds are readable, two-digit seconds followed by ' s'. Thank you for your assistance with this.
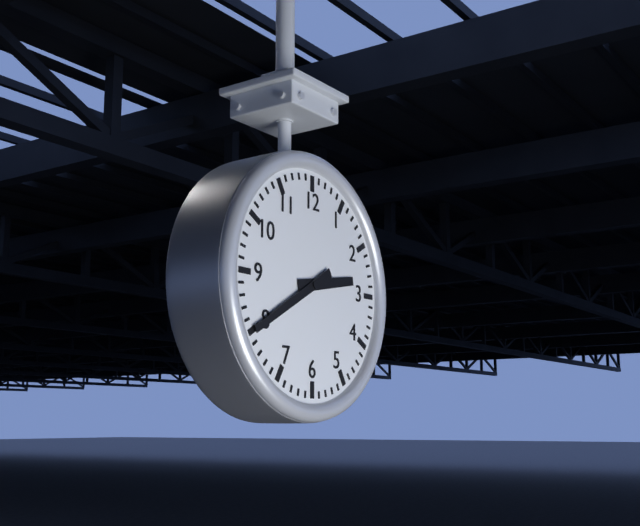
2 h 40 min
